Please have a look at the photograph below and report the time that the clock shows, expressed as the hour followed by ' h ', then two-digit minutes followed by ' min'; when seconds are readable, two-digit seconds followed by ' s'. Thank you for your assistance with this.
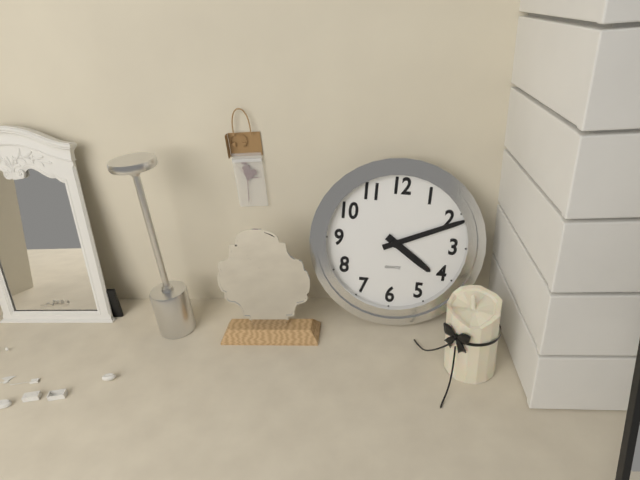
4 h 11 min
